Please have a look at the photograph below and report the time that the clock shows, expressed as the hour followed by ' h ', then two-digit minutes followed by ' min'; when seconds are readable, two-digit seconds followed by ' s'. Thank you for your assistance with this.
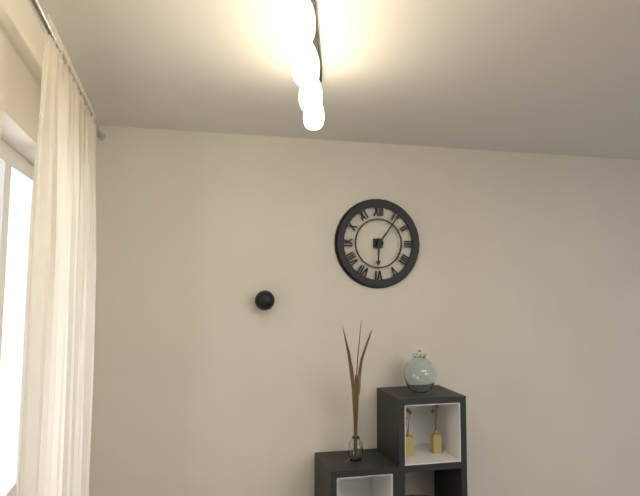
6 h 06 min
